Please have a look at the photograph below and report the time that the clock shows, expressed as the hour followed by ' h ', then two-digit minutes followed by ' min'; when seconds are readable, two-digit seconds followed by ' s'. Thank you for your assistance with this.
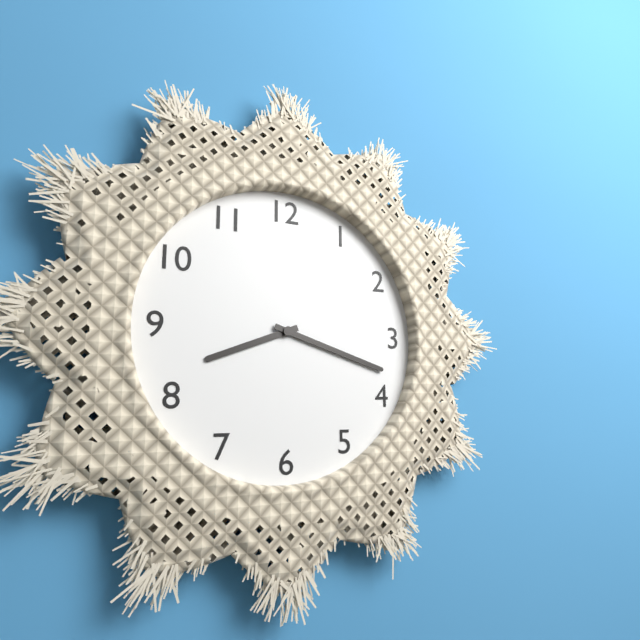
8 h 18 min
